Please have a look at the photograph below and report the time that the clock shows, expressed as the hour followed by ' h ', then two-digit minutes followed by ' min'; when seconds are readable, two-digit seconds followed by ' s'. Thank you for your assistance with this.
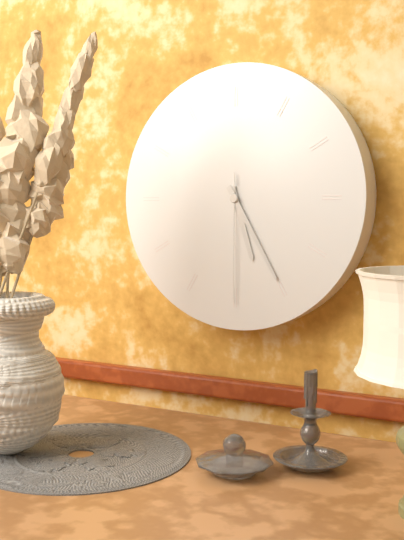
5 h 25 min 30 s
